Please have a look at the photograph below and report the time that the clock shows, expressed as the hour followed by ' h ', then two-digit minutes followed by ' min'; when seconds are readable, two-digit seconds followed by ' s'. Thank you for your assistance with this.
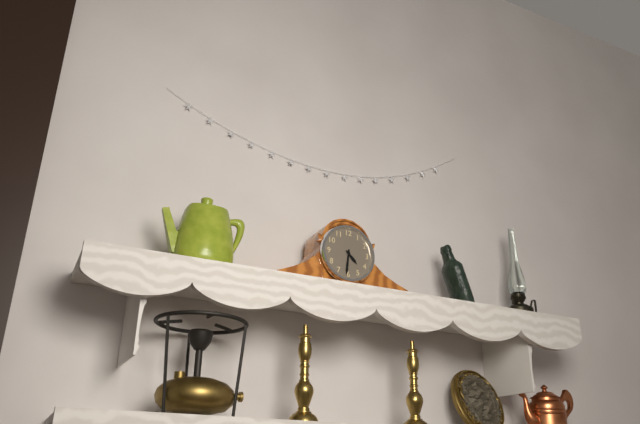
4 h 31 min
